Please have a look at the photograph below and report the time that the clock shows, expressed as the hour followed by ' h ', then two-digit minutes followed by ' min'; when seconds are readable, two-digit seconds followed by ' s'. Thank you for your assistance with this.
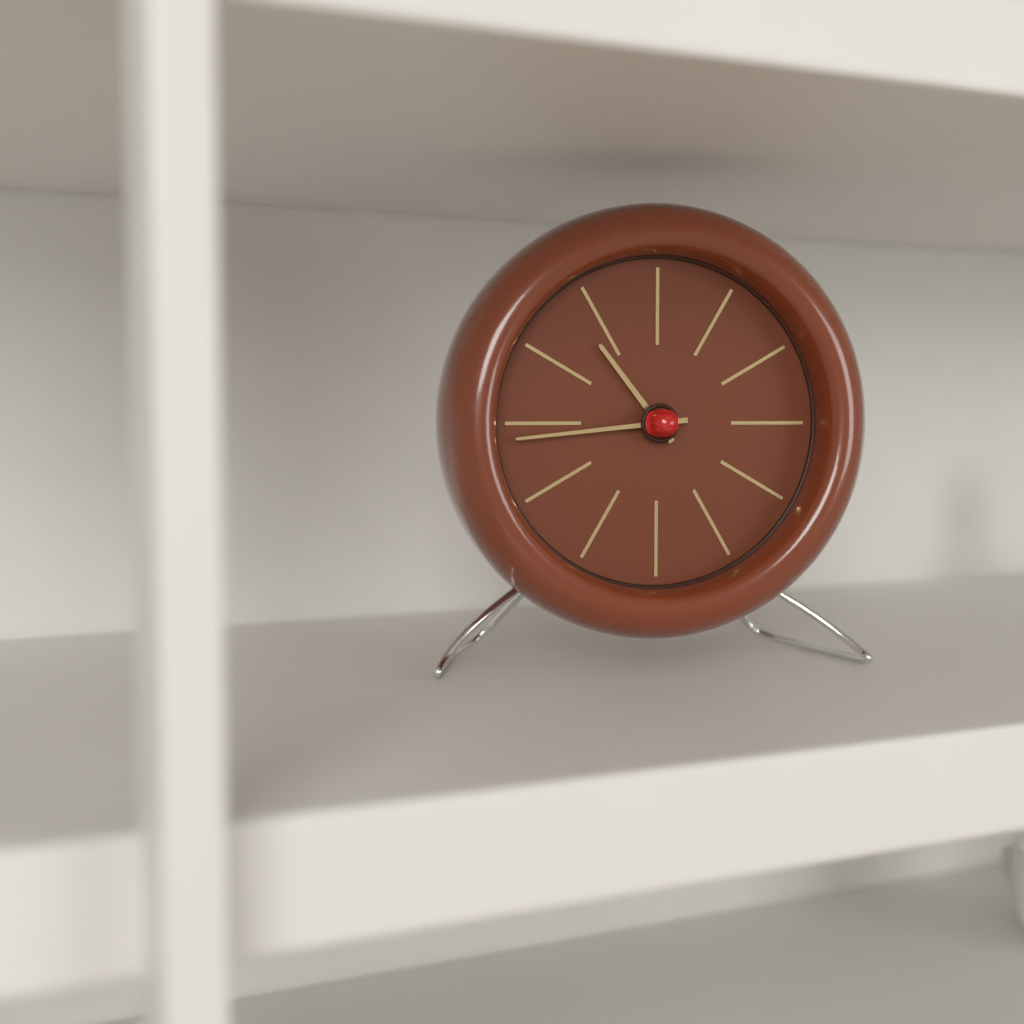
10 h 44 min
